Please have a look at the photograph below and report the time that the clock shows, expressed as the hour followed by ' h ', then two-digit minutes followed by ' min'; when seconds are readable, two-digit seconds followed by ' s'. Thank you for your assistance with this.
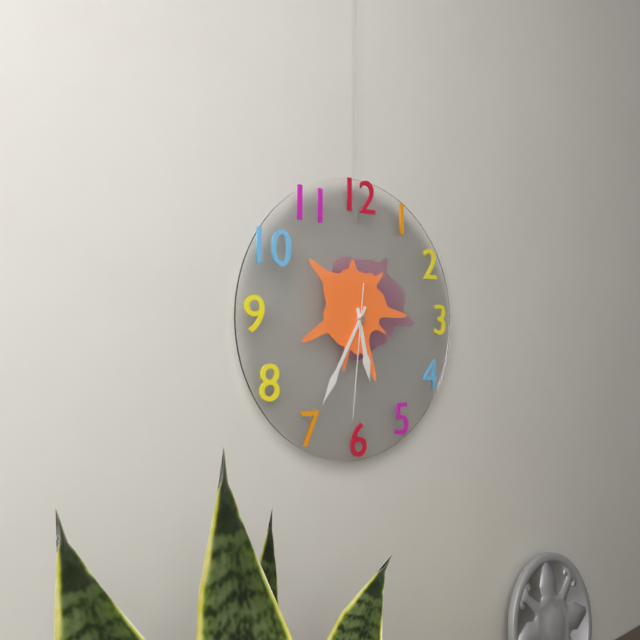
5 h 35 min 31 s
